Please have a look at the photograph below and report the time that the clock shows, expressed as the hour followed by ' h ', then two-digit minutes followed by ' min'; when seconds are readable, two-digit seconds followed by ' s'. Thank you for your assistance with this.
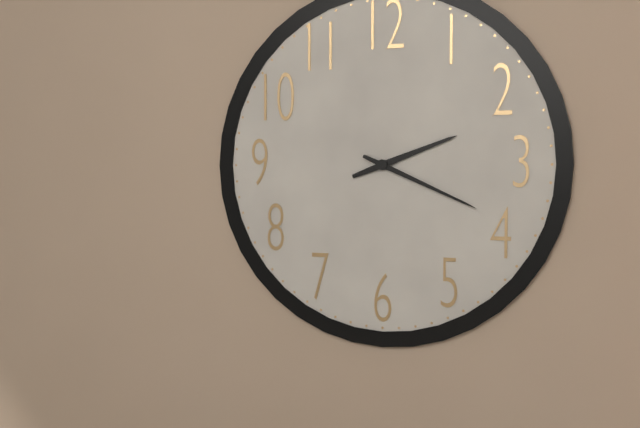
2 h 19 min
